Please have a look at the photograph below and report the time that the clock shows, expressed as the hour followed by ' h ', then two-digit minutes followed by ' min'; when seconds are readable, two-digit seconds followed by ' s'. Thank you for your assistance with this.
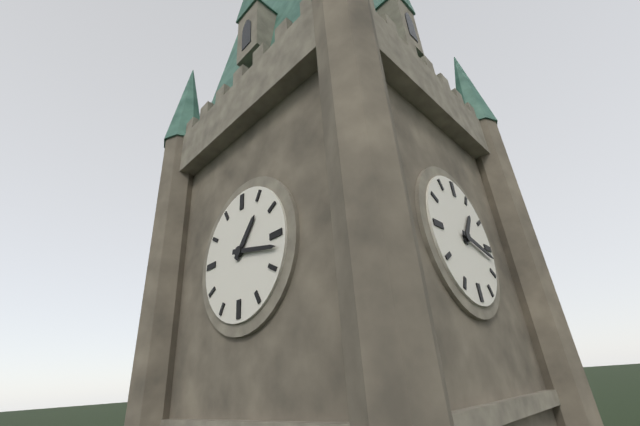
1 h 17 min
